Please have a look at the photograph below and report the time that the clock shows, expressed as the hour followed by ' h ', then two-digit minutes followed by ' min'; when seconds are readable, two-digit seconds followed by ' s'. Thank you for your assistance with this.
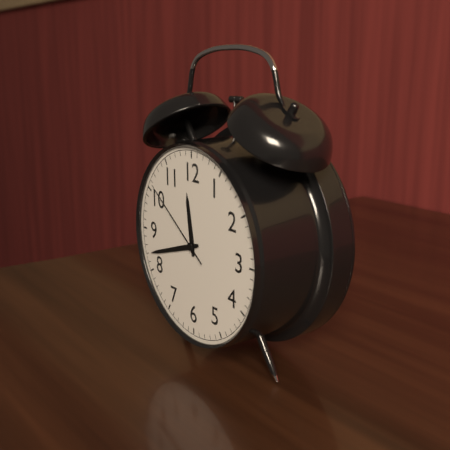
11 h 42 min 51 s
